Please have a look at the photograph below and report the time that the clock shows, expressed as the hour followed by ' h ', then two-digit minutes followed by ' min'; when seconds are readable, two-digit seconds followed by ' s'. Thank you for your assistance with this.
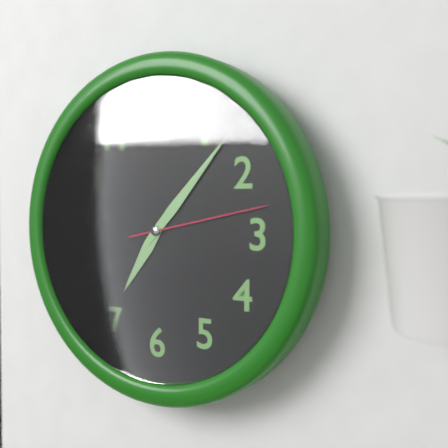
7 h 07 min 13 s
